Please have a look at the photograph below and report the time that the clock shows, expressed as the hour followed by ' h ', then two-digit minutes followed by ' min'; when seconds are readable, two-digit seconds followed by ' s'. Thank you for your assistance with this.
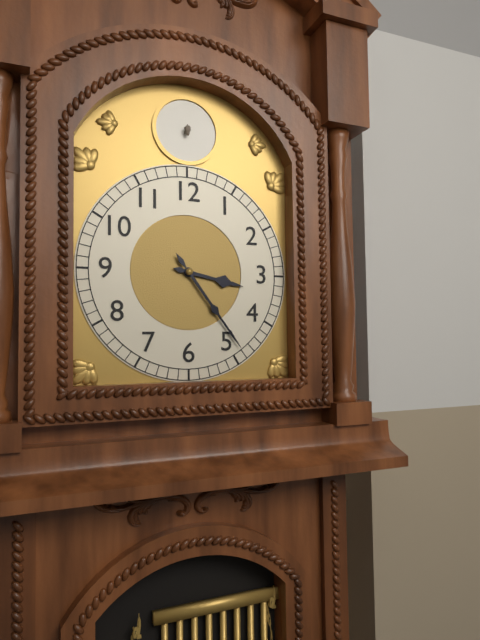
3 h 24 min
